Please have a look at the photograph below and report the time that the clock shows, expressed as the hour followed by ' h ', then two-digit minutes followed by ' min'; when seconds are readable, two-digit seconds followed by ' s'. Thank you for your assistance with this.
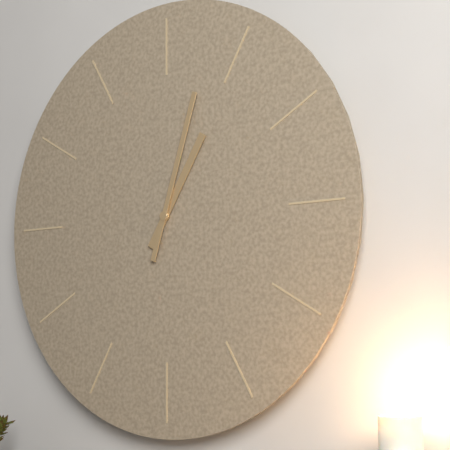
1 h 03 min
